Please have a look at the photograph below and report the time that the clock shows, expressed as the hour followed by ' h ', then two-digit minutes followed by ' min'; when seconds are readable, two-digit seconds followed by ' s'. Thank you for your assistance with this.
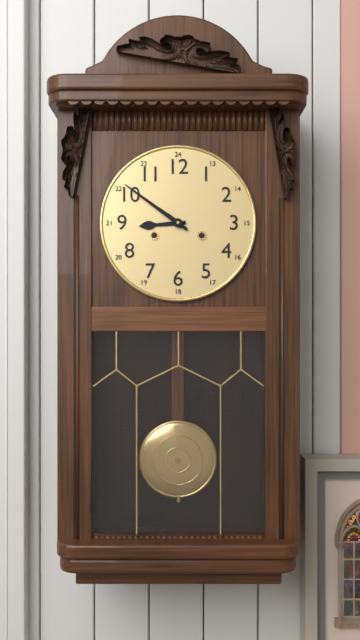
8 h 51 min
